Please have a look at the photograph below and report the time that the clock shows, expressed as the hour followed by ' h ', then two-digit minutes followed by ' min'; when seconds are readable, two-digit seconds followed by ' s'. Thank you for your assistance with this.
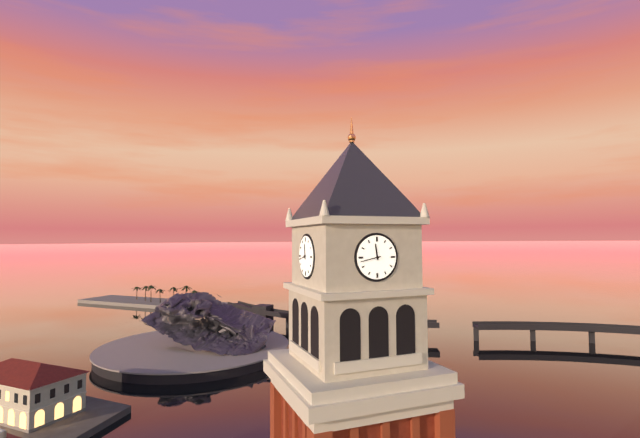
11 h 43 min
